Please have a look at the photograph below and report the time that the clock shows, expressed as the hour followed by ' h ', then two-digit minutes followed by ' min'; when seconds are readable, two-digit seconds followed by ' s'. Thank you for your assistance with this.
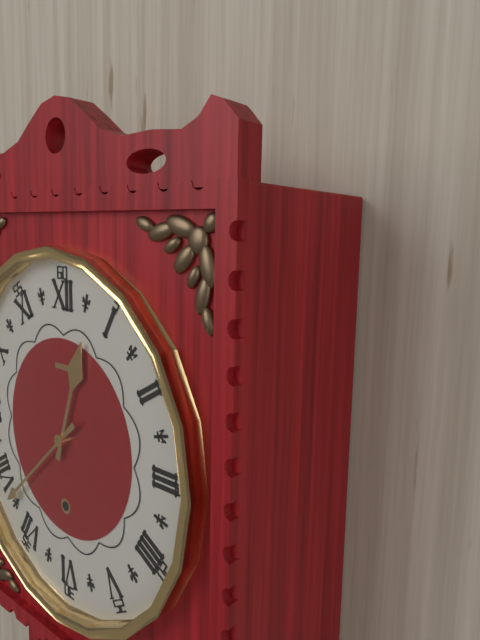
12 h 38 min
